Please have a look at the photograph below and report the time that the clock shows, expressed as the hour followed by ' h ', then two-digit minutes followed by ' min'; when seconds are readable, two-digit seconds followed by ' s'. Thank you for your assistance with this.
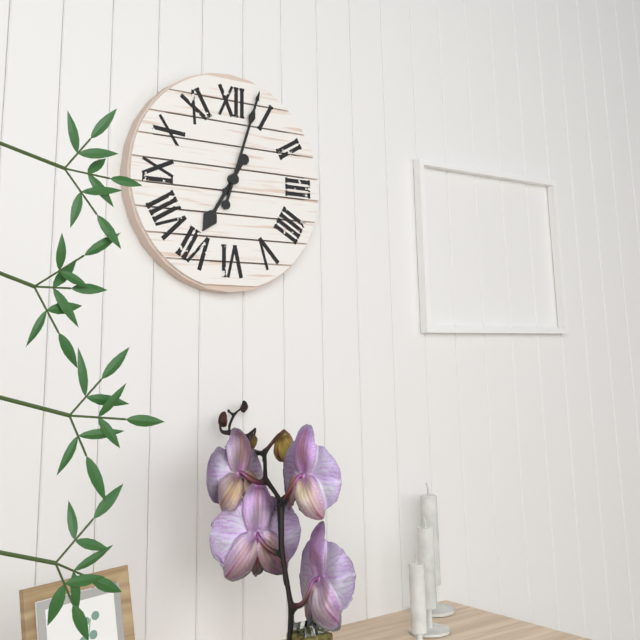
7 h 03 min
